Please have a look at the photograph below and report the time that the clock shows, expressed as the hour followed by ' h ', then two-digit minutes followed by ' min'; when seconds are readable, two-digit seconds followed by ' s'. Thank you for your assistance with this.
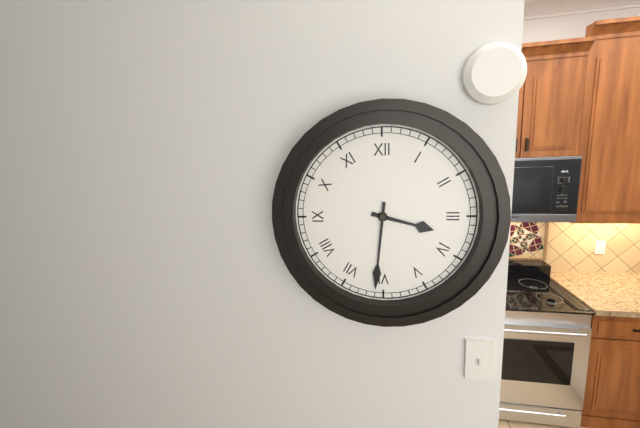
3 h 31 min
